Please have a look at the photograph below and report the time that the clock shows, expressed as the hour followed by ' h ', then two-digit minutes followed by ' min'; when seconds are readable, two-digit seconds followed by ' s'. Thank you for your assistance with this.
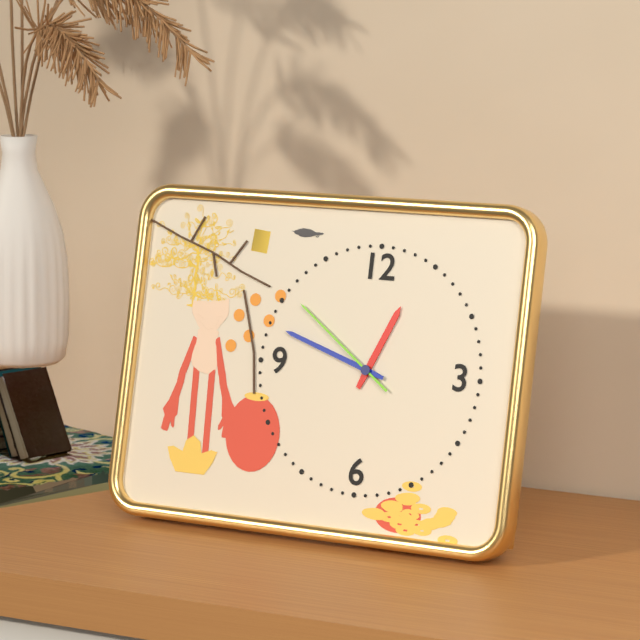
12 h 48 min 51 s
